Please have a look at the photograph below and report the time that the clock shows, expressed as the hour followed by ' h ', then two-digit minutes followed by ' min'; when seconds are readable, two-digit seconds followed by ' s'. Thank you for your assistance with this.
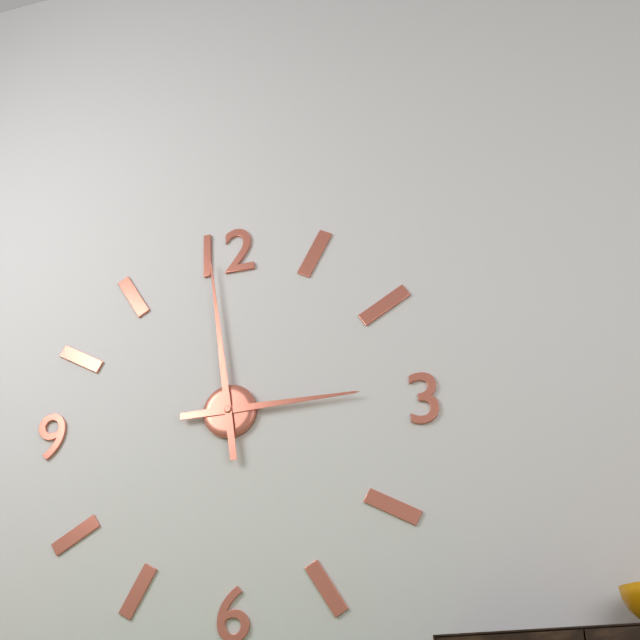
2 h 59 min
